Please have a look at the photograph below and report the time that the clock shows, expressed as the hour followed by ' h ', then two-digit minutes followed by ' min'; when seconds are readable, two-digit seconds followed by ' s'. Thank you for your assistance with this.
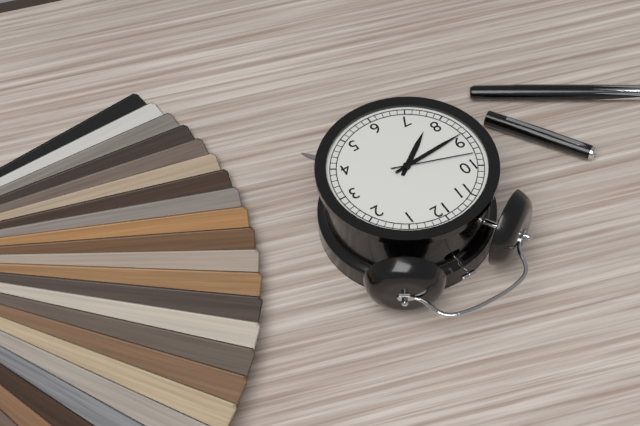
7 h 44 min 48 s
